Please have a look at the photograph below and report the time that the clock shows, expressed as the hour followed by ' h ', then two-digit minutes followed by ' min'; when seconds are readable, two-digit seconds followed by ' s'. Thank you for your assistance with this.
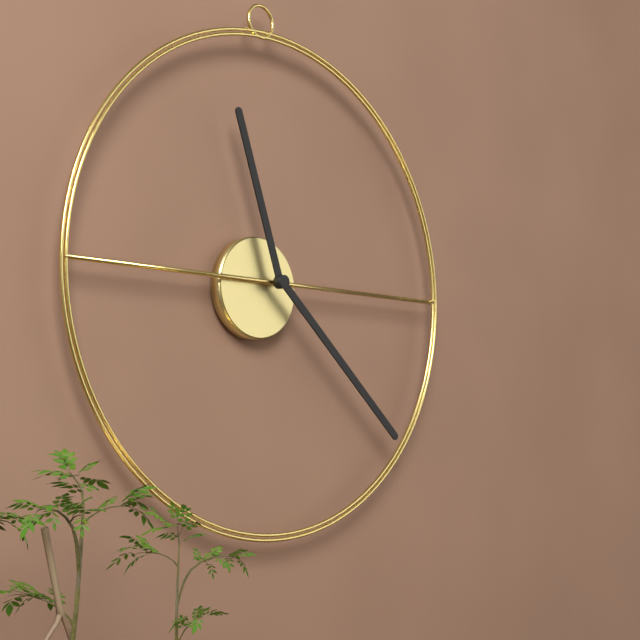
11 h 22 min
